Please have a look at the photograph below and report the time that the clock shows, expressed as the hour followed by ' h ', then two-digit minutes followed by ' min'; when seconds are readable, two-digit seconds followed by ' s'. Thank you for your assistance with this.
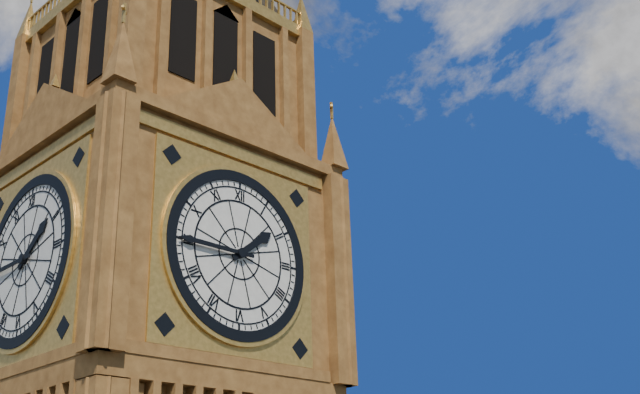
1 h 45 min
